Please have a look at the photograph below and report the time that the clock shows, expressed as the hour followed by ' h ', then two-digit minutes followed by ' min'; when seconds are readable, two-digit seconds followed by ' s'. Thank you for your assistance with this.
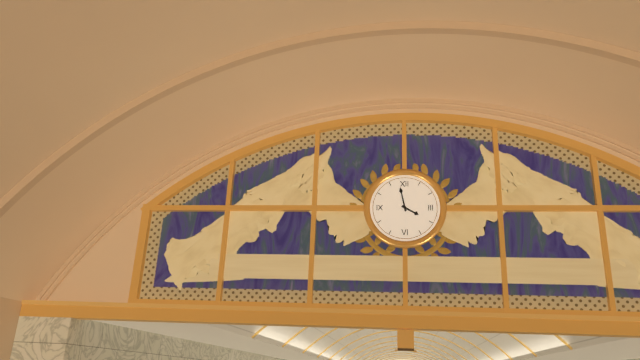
3 h 58 min
